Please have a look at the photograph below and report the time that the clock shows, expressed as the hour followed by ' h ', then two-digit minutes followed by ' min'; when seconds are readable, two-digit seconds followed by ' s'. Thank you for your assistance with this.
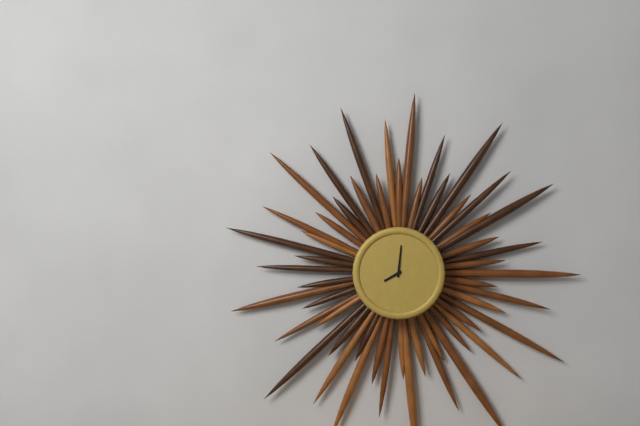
8 h 01 min
